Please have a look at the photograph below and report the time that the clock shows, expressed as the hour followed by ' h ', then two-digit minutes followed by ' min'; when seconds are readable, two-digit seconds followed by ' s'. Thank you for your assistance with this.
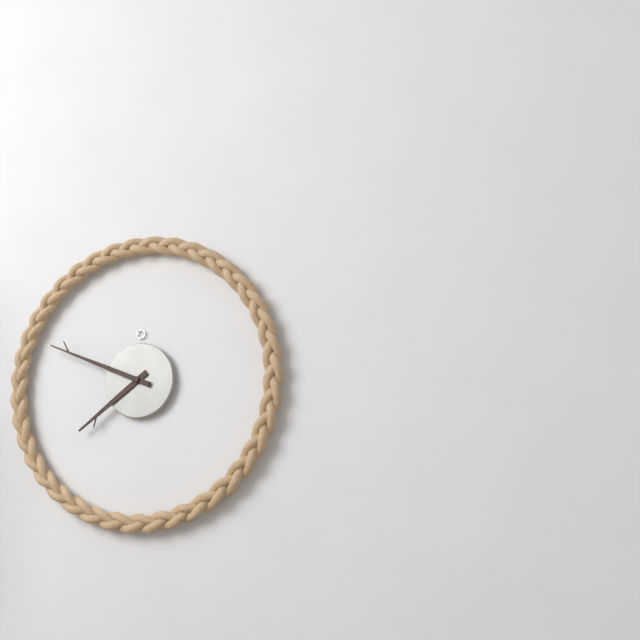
7 h 49 min
